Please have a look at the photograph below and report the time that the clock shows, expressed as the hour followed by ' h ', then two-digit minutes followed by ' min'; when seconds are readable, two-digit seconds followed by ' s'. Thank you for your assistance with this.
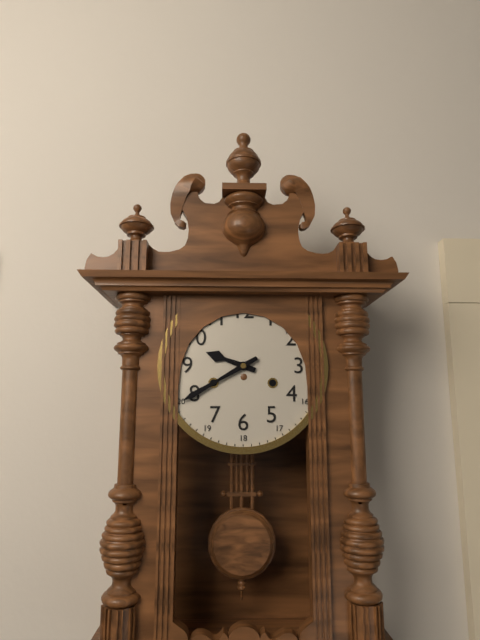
9 h 40 min
